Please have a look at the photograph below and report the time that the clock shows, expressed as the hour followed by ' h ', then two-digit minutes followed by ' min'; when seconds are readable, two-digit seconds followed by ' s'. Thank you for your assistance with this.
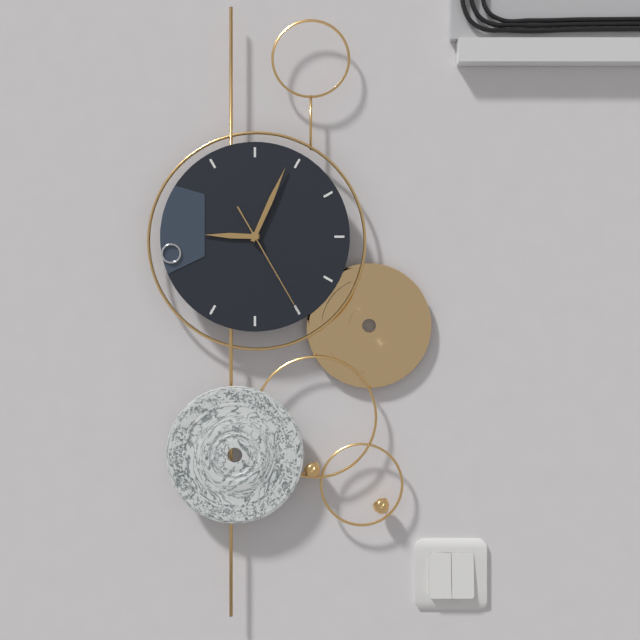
9 h 04 min 25 s
